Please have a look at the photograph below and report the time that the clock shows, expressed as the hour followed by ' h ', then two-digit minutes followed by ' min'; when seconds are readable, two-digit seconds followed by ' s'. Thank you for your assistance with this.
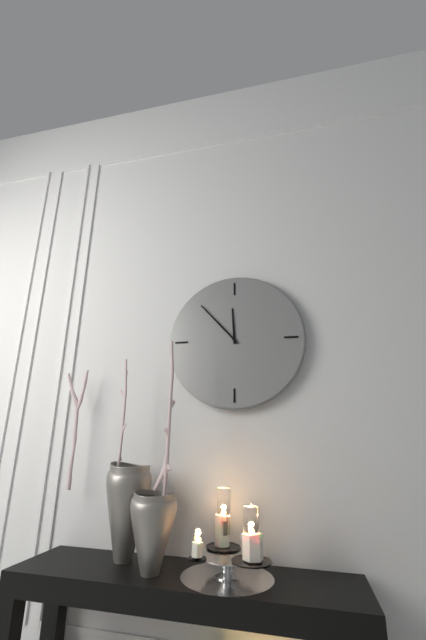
11 h 53 min
